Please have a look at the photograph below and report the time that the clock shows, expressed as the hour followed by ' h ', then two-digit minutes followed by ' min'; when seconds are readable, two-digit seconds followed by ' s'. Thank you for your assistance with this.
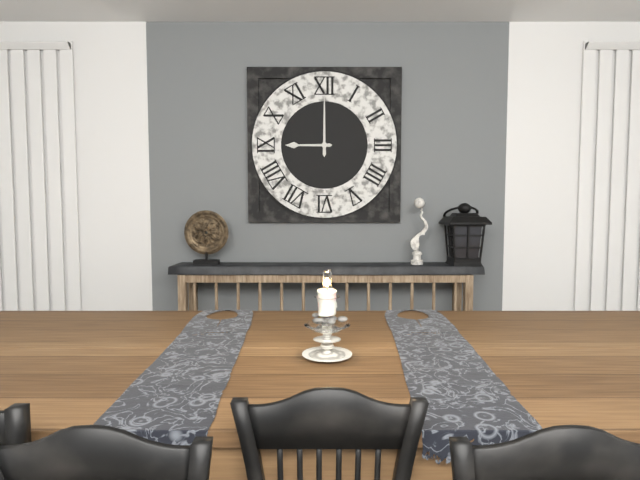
9 h 00 min
